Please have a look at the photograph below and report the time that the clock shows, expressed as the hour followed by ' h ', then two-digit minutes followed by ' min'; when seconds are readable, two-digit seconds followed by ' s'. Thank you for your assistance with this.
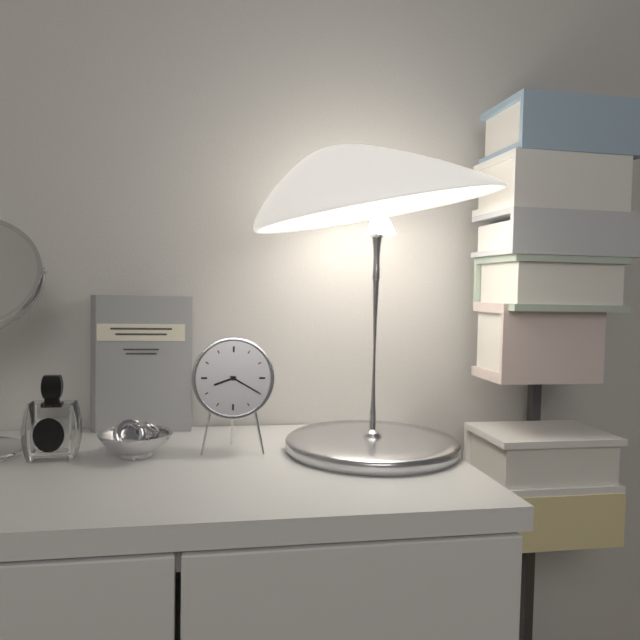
8 h 20 min
